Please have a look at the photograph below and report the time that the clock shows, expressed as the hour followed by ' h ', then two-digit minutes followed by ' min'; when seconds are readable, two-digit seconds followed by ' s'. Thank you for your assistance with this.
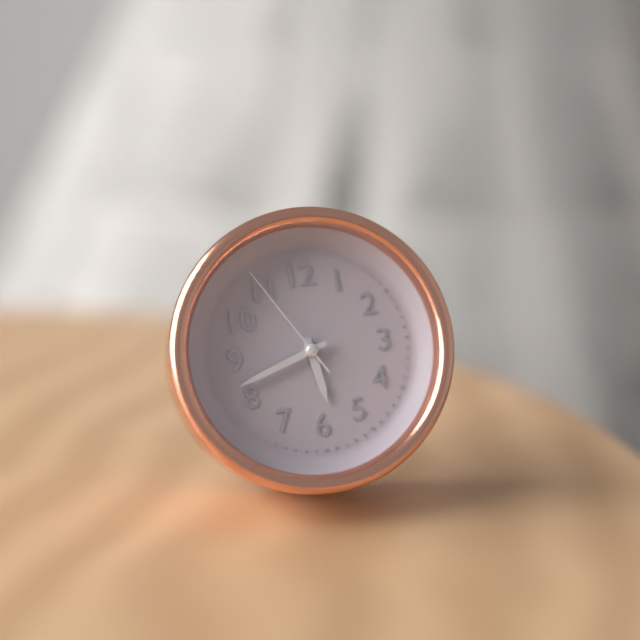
5 h 42 min 55 s
